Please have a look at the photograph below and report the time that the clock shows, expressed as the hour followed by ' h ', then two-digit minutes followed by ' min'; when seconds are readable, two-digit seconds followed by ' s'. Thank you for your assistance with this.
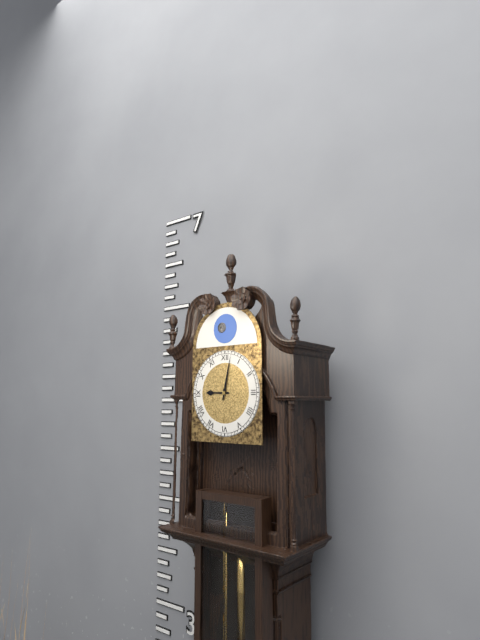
9 h 02 min
